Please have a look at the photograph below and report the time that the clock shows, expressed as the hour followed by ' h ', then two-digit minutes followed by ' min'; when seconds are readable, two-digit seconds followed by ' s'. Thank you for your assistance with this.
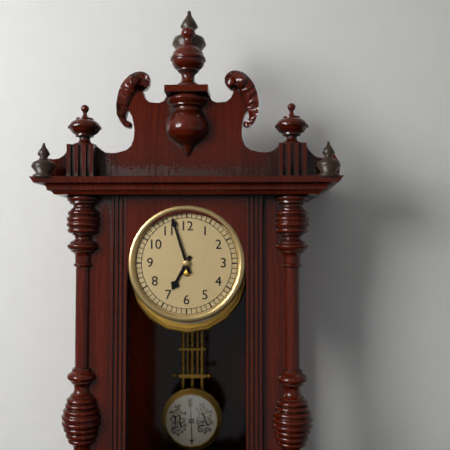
6 h 57 min
